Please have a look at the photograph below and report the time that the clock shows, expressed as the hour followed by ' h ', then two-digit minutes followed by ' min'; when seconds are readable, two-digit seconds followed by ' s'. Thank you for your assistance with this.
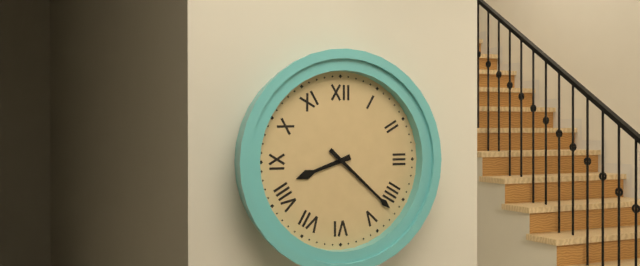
8 h 22 min
